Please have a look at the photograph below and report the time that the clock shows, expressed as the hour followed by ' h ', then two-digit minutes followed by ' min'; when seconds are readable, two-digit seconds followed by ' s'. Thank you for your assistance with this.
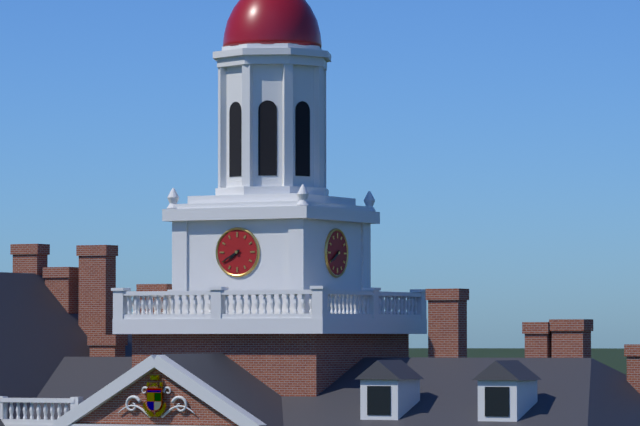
7 h 40 min
